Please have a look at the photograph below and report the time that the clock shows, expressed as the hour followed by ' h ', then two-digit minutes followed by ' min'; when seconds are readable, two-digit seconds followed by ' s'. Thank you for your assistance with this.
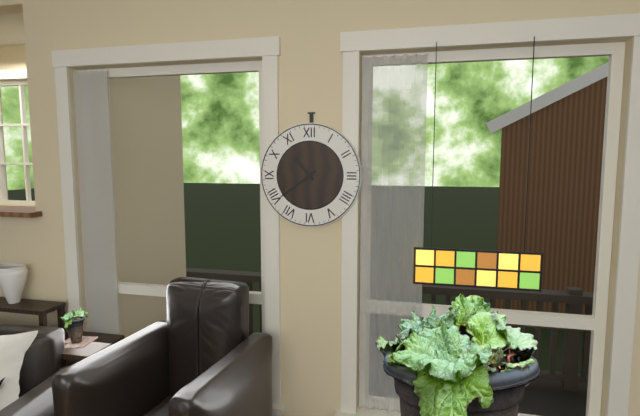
10 h 39 min
